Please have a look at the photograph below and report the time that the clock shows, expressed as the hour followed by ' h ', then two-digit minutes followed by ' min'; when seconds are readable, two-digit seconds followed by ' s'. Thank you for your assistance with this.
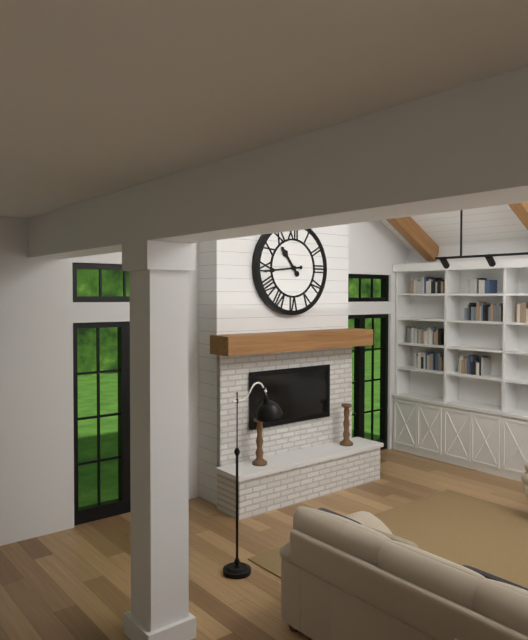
10 h 44 min
